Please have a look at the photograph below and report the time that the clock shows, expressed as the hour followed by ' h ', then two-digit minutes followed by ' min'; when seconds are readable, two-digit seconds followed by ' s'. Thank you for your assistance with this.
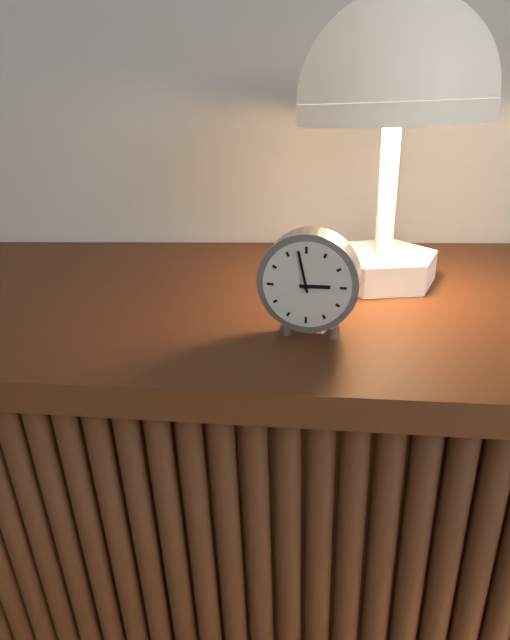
2 h 58 min
